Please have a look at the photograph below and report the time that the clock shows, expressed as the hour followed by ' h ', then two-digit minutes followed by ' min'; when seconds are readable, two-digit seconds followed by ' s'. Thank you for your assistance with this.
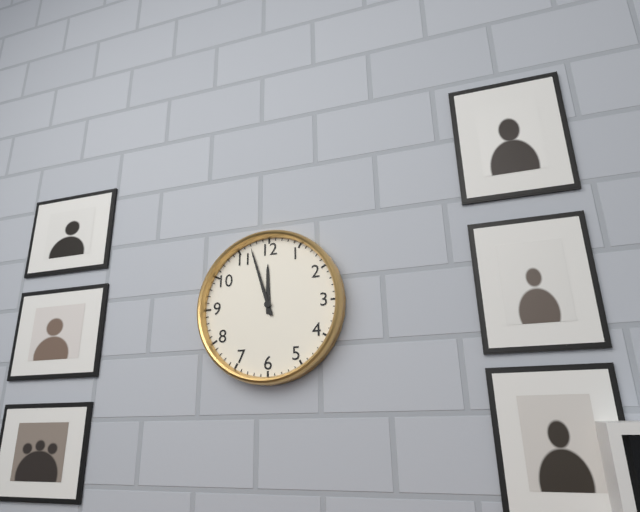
11 h 57 min
